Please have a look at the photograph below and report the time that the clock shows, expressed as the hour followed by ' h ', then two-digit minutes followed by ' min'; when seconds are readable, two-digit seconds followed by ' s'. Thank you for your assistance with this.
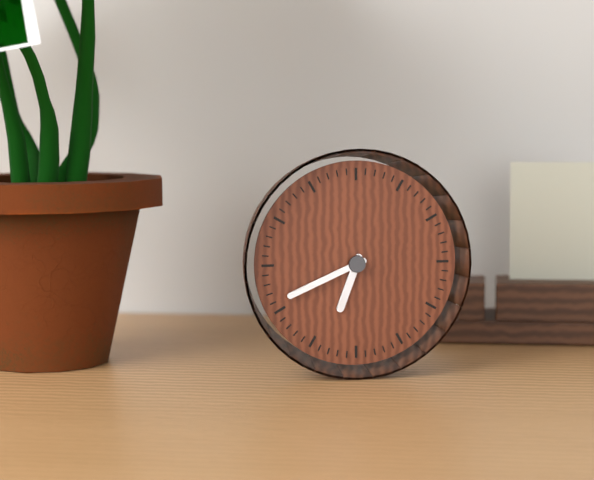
6 h 41 min
